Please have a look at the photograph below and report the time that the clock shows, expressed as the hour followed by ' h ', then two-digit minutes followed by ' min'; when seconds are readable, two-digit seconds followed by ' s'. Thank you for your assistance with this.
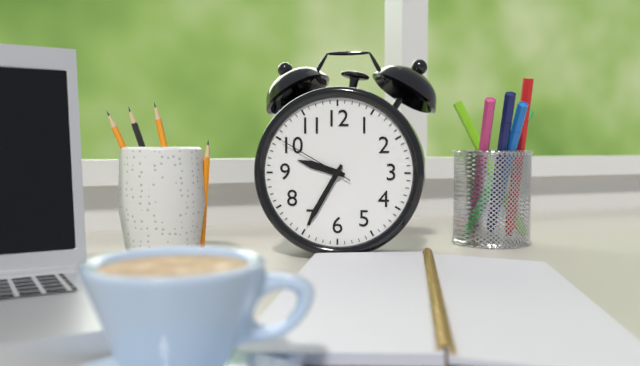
9 h 35 min 50 s
